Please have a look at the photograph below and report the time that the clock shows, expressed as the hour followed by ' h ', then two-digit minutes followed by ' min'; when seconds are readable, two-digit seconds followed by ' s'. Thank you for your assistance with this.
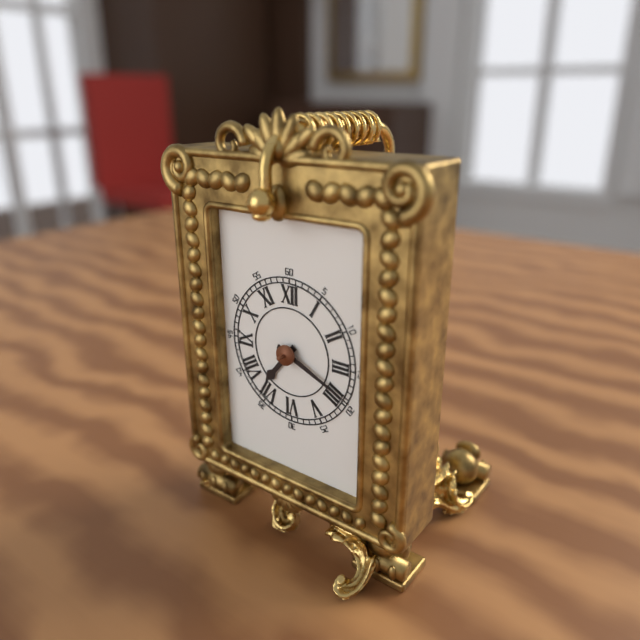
7 h 19 min
